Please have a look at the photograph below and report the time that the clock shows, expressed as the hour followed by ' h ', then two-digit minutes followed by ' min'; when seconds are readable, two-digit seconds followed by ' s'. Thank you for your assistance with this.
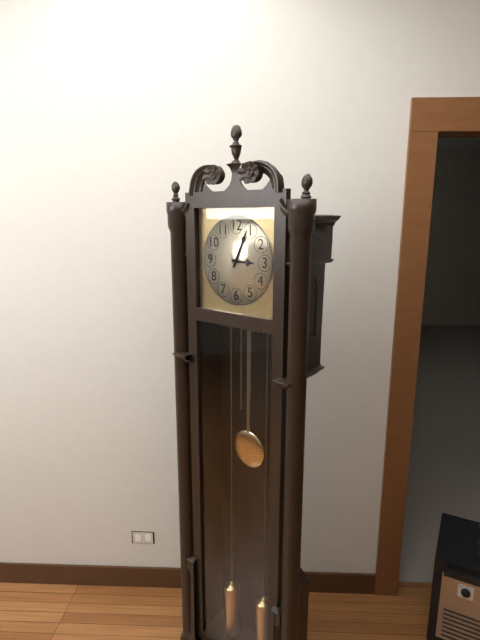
3 h 04 min
